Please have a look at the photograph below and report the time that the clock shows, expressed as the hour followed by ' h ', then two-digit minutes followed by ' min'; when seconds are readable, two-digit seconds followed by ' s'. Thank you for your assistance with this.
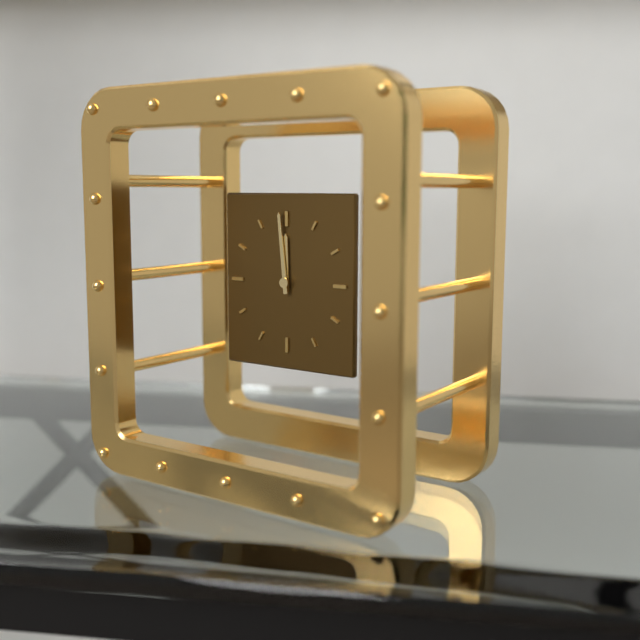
11 h 59 min
